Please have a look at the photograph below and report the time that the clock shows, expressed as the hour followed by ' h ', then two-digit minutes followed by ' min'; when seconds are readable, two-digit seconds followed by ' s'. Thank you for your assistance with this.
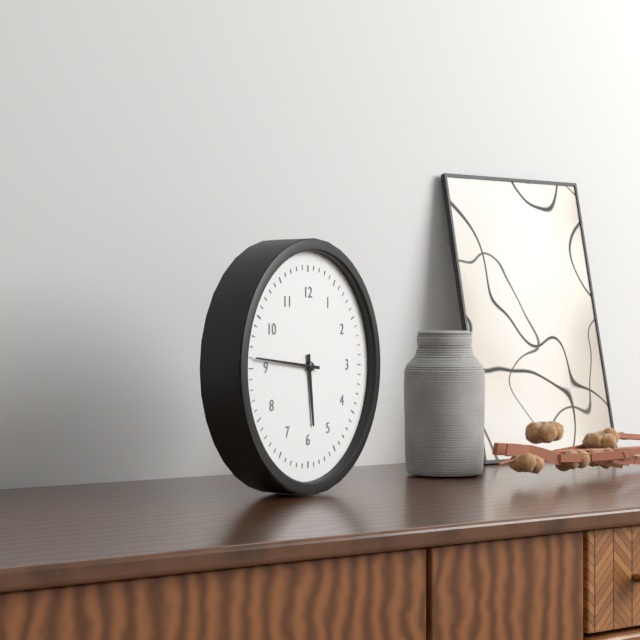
5 h 46 min
